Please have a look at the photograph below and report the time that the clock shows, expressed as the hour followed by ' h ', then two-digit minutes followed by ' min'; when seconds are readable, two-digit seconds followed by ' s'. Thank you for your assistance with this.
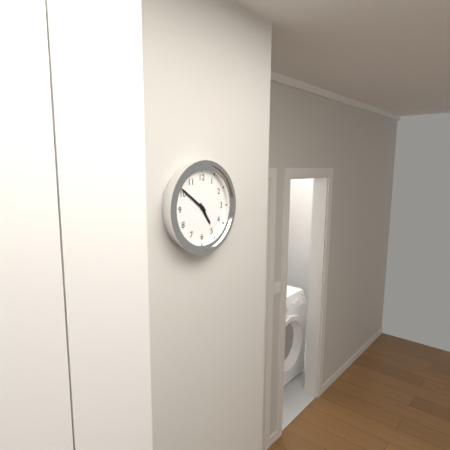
4 h 51 min
